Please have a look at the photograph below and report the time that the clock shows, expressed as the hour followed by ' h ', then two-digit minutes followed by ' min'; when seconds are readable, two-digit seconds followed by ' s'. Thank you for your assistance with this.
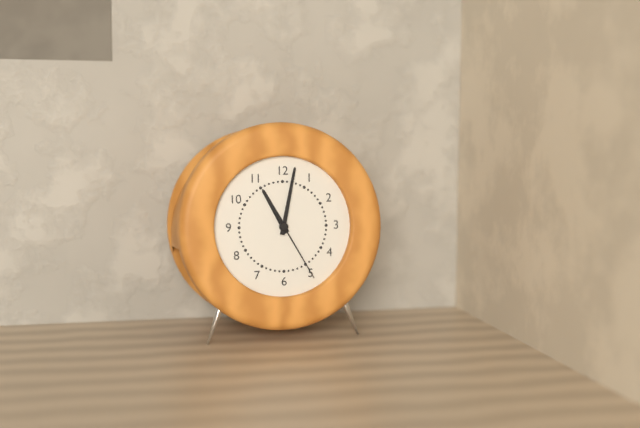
11 h 02 min 25 s
